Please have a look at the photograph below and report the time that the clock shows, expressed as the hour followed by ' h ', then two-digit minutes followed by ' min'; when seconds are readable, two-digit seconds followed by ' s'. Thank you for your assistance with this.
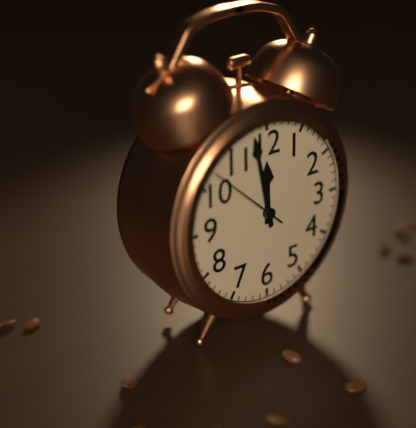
11 h 58 min 52 s
